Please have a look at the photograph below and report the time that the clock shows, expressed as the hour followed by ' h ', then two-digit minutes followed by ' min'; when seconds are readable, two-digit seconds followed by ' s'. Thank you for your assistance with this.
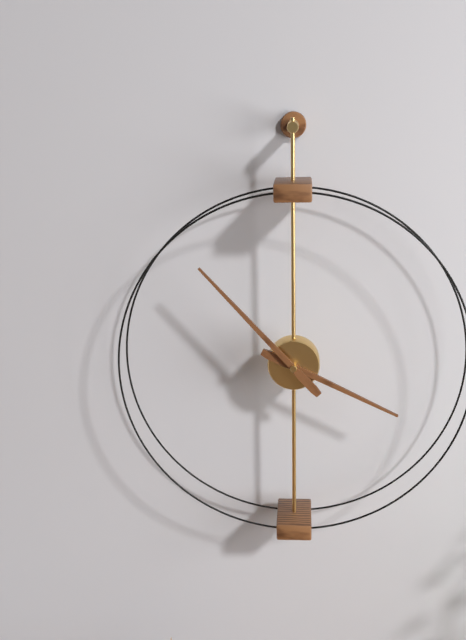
3 h 53 min
